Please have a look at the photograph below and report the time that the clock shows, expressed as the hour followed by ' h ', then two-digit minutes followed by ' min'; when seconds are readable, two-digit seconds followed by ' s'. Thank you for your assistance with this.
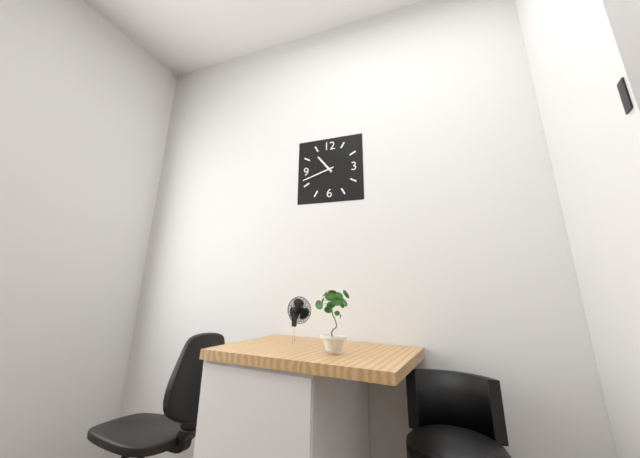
10 h 42 min
